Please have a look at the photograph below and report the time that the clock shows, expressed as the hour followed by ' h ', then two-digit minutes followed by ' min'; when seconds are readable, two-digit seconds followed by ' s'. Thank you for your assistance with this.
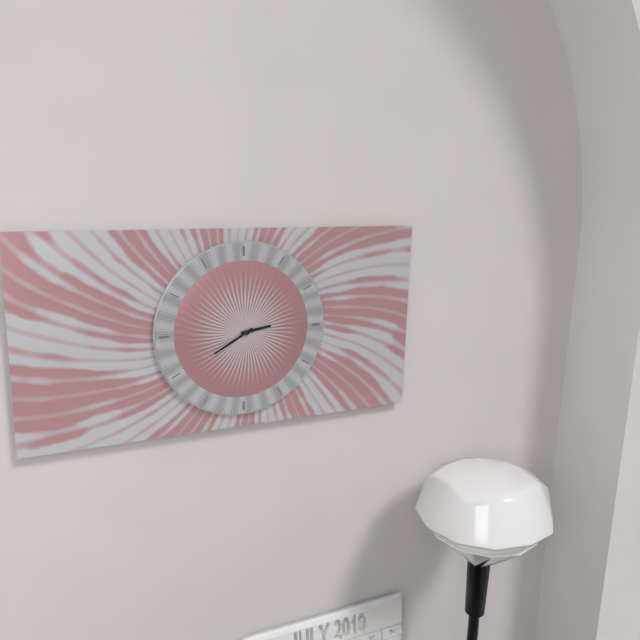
2 h 40 min
